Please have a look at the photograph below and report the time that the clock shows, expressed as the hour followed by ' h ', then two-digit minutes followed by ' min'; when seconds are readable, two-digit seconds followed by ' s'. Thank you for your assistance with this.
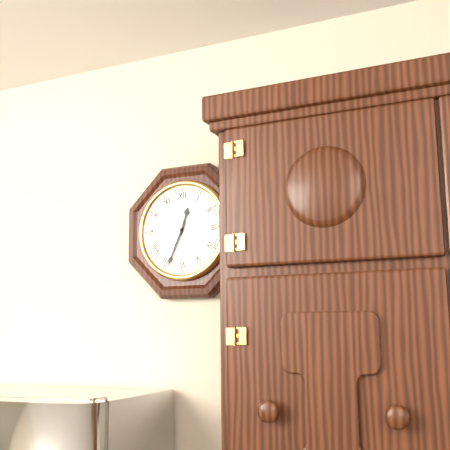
12 h 34 min
